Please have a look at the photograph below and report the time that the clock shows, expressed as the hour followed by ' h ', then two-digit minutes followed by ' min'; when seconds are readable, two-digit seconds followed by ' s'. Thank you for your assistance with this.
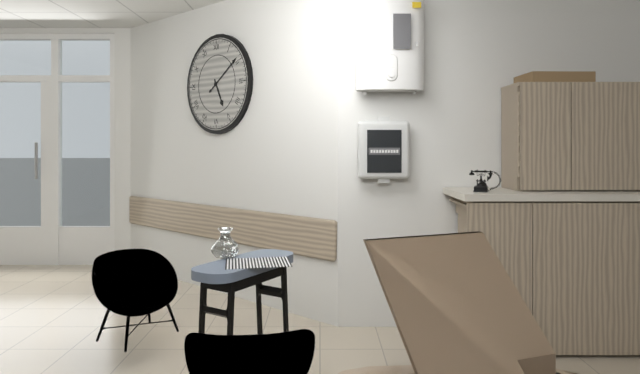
5 h 09 min
